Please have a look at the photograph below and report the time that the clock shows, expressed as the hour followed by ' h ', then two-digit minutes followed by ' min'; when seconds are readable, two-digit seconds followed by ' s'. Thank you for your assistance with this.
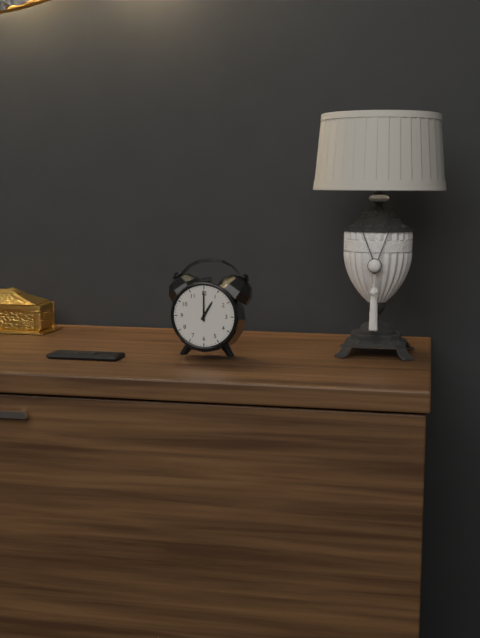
1 h 00 min
